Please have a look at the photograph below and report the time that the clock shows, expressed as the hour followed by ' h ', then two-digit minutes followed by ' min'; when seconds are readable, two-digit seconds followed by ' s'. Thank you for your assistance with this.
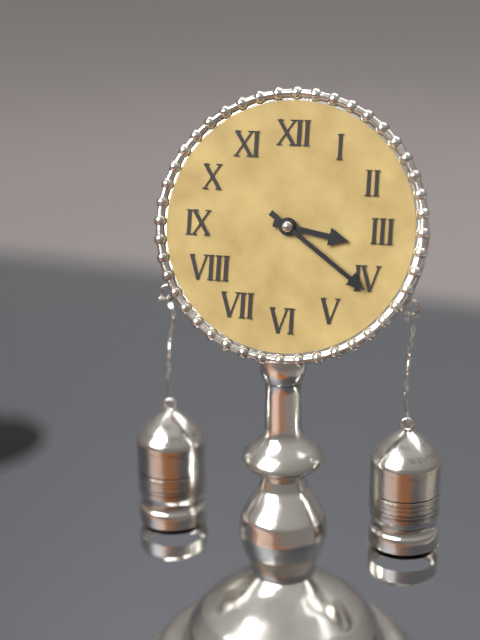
3 h 21 min
